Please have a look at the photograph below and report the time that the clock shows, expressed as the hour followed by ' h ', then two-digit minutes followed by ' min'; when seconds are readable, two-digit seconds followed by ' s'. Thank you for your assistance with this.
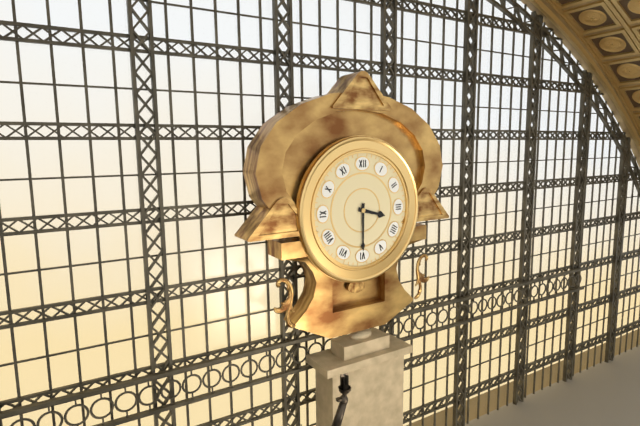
3 h 30 min
